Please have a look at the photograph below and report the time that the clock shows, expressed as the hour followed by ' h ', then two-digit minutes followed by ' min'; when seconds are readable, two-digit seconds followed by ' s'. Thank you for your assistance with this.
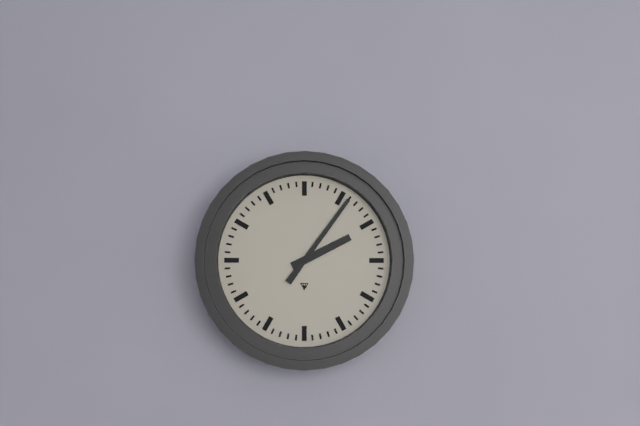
2 h 06 min
